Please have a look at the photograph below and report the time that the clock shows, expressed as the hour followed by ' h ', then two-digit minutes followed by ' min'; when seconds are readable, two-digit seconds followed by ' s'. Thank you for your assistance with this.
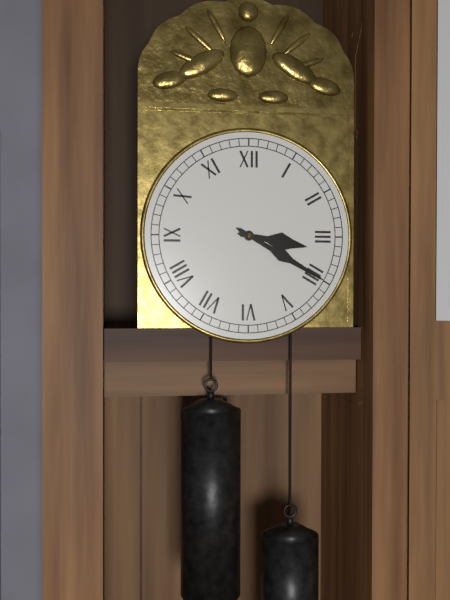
3 h 20 min
